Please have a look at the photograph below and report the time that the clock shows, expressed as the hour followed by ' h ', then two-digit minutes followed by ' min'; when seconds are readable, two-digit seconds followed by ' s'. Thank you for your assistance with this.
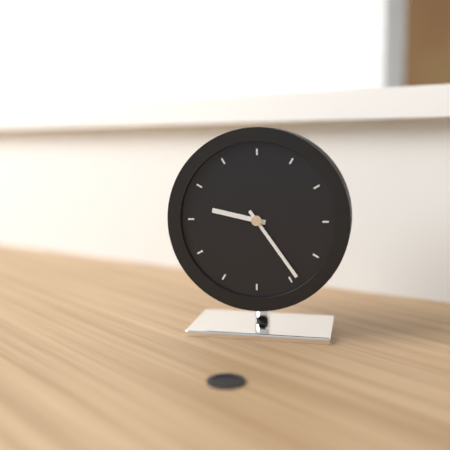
9 h 24 min
